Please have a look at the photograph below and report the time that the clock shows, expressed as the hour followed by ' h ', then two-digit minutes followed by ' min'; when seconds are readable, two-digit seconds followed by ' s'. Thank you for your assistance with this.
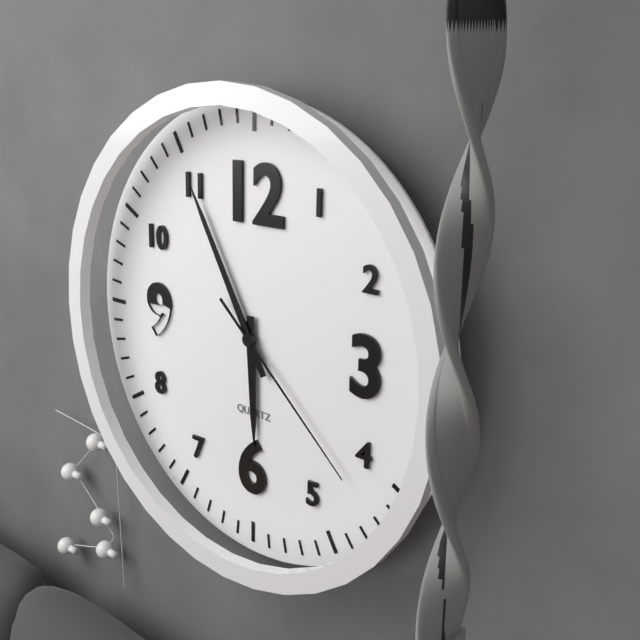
5 h 55 min 22 s
